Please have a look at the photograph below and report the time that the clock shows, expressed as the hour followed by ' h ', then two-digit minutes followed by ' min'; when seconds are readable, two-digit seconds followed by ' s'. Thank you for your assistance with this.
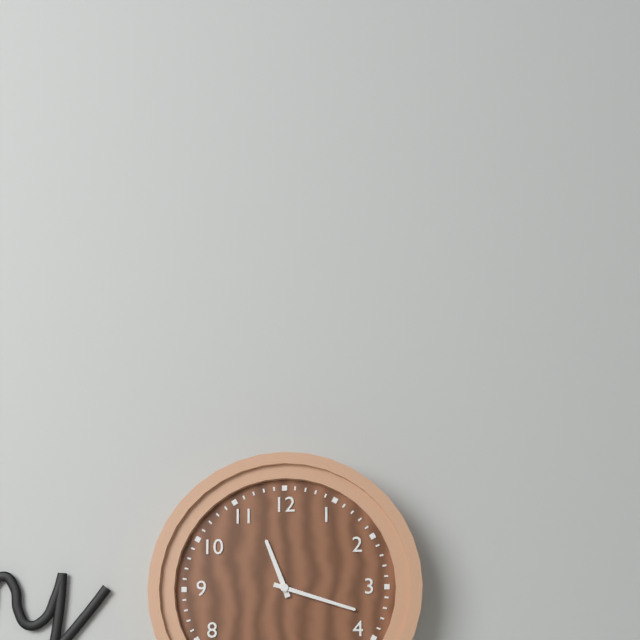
11 h 18 min
